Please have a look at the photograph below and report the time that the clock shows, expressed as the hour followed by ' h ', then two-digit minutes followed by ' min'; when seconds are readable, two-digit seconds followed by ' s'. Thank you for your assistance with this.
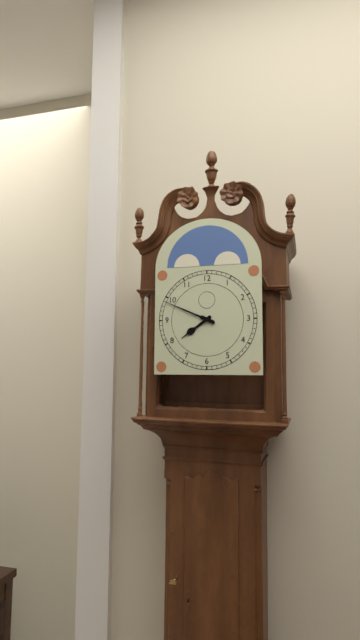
7 h 49 min
